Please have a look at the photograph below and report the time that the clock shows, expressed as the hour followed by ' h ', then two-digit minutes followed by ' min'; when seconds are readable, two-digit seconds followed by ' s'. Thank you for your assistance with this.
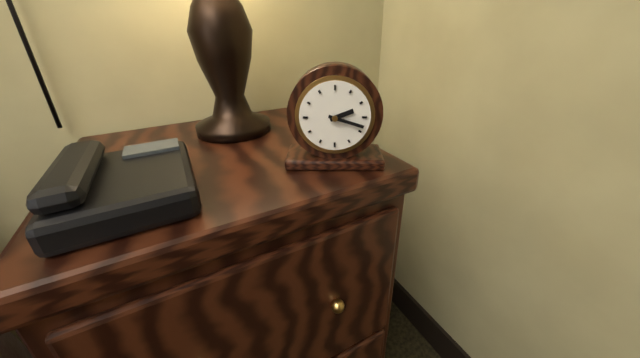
2 h 18 min
